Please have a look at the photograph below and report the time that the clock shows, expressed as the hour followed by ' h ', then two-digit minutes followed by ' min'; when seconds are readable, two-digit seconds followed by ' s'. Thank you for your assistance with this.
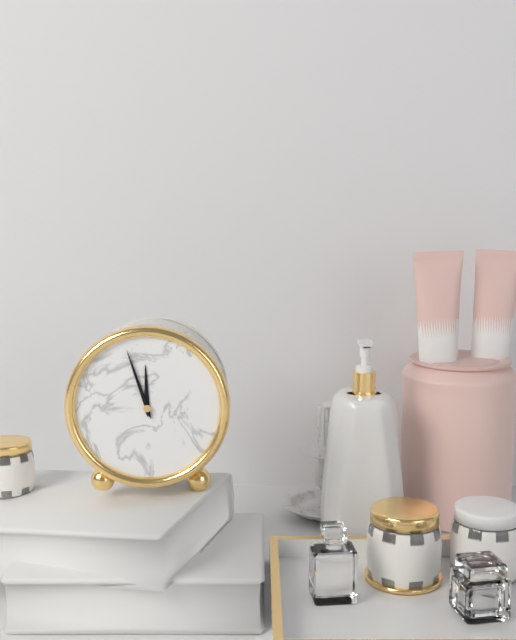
11 h 57 min
